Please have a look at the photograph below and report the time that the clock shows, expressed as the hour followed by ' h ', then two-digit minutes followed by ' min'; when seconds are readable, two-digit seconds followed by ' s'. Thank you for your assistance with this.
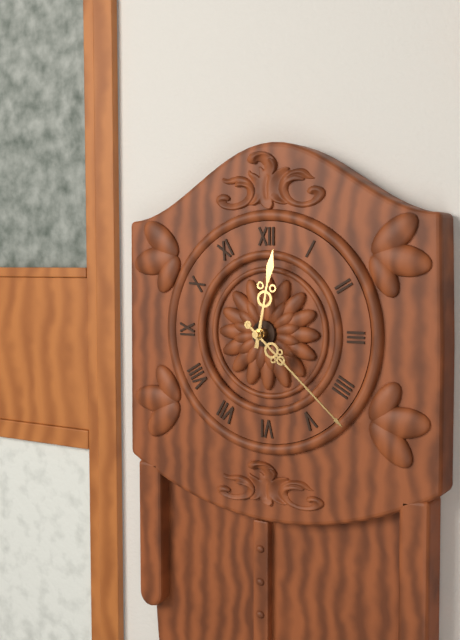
12 h 22 min
